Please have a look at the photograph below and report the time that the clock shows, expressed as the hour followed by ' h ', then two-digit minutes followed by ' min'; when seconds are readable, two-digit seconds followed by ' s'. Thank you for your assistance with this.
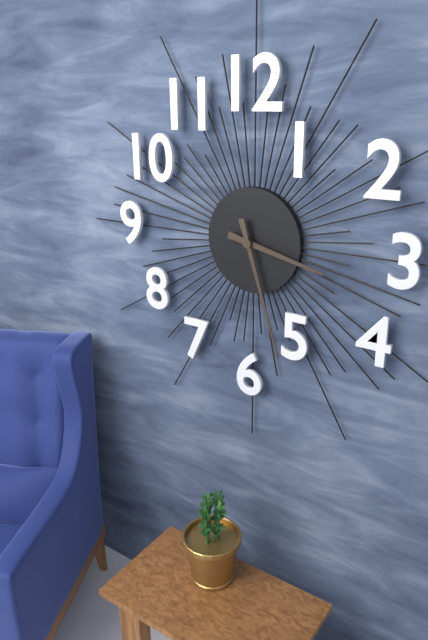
3 h 27 min
